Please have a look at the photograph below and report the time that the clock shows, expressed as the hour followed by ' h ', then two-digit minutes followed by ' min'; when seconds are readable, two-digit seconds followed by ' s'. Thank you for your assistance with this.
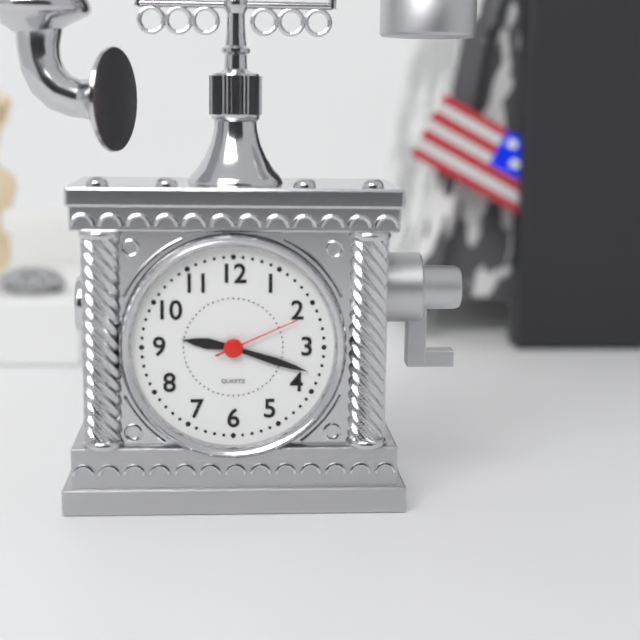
9 h 18 min 11 s
